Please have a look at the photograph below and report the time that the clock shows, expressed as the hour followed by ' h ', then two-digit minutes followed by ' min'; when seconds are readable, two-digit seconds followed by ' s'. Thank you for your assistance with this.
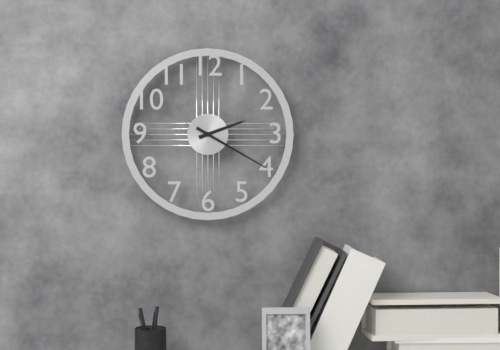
2 h 20 min
